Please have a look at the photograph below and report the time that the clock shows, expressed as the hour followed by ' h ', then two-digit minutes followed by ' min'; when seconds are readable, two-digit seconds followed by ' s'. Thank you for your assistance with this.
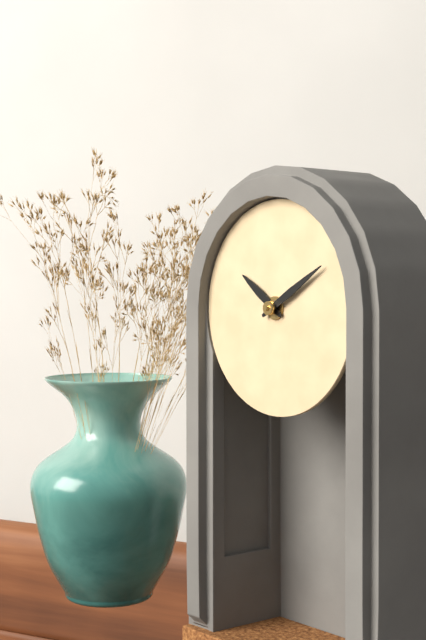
10 h 10 min
